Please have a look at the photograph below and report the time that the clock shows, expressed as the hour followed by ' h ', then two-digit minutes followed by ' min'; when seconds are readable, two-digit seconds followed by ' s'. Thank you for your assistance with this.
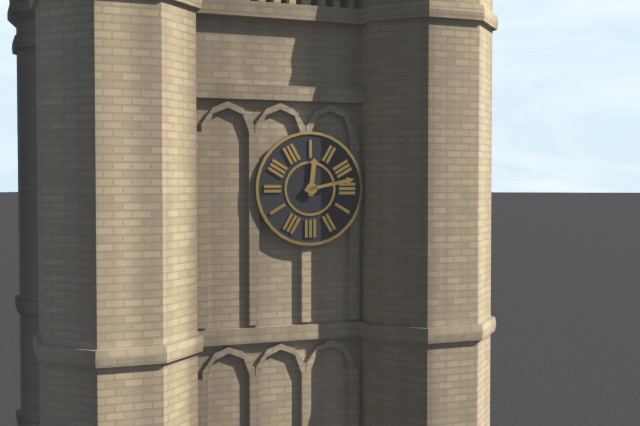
12 h 13 min
